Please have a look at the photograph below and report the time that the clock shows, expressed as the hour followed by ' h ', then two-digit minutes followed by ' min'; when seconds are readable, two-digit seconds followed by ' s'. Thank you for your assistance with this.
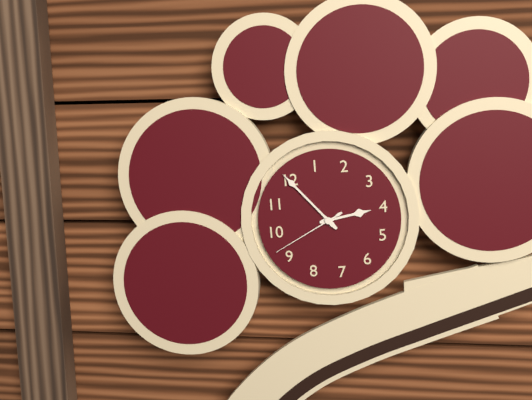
4 h 00 min 47 s
